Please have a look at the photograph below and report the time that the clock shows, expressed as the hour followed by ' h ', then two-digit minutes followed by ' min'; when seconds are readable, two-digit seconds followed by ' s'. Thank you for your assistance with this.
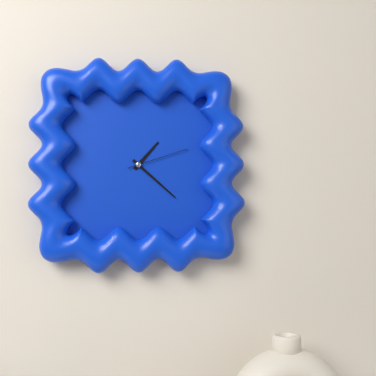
1 h 22 min 12 s
